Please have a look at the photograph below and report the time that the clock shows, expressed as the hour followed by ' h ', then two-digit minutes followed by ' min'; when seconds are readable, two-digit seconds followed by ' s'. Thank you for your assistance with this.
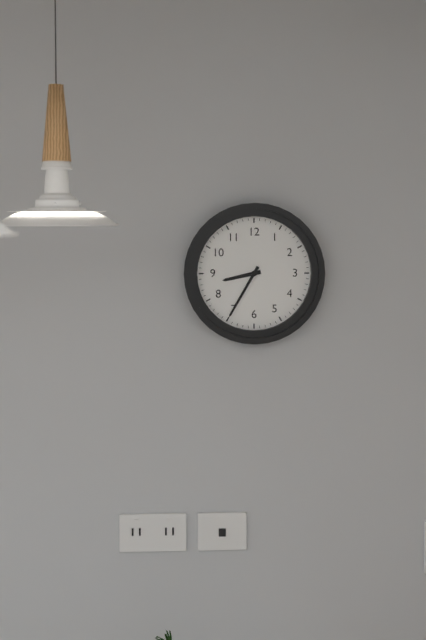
8 h 35 min
